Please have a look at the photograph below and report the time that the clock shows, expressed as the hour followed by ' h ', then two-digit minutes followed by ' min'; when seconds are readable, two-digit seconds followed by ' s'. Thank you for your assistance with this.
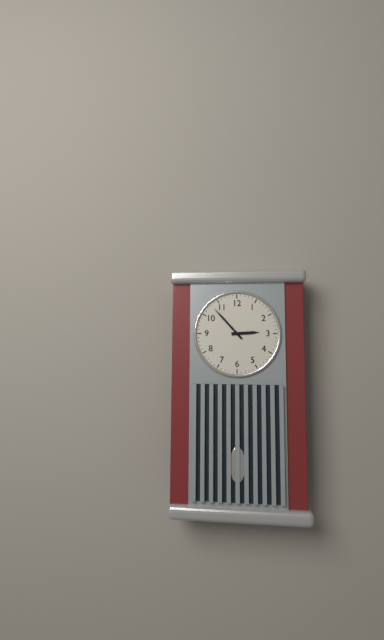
2 h 53 min
